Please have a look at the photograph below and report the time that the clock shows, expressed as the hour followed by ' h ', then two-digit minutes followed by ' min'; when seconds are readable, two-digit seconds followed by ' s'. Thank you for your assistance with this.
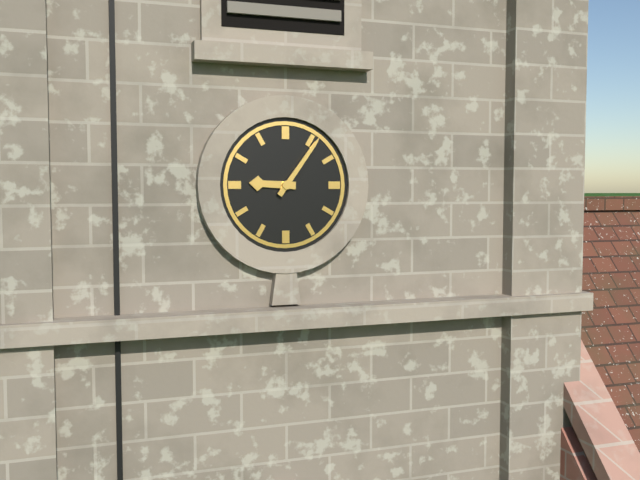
9 h 06 min
